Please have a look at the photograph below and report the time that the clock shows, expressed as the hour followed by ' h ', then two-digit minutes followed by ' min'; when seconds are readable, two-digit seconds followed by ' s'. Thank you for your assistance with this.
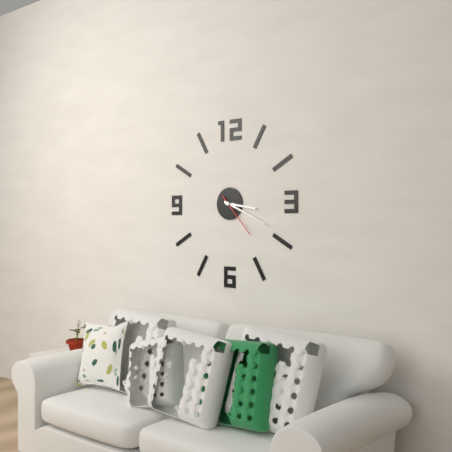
3 h 19 min
